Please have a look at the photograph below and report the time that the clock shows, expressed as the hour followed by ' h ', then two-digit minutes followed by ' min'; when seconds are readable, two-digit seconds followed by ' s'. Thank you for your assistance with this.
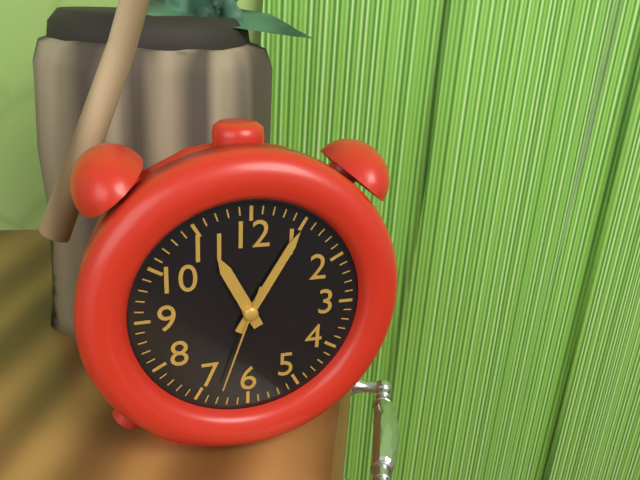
11 h 05 min 33 s
